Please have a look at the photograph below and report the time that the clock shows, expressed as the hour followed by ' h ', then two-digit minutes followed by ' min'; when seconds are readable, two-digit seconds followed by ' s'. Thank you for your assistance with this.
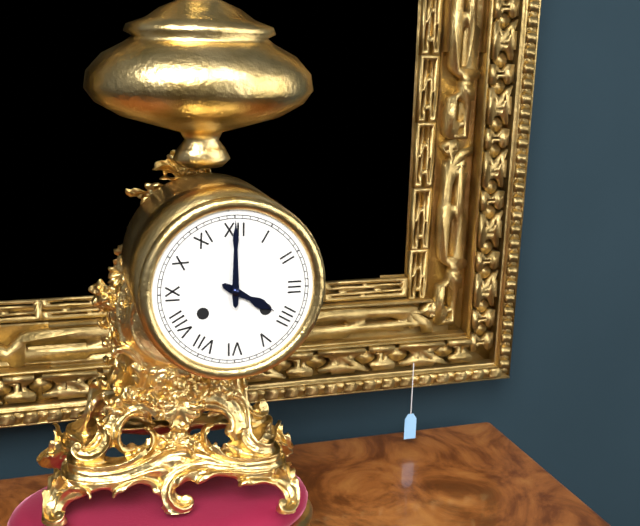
4 h 00 min
